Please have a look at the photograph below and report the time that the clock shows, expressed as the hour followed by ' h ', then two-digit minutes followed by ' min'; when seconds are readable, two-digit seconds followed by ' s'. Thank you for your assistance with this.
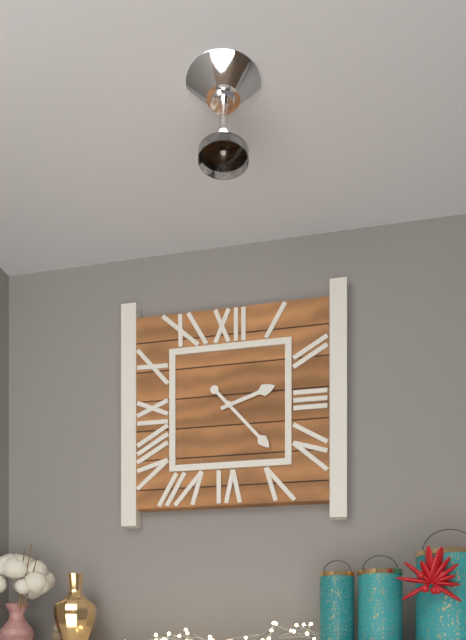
2 h 23 min
